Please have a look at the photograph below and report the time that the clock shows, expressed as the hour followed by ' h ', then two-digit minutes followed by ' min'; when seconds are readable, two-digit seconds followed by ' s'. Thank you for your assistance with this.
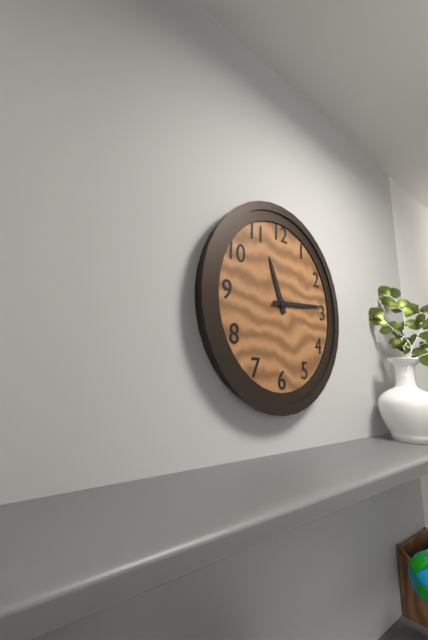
11 h 14 min
